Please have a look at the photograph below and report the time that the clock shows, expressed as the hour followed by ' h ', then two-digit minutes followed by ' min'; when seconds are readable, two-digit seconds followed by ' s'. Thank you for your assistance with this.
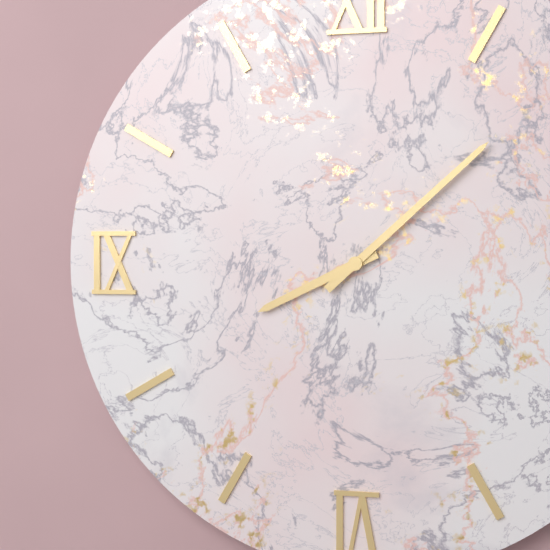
8 h 08 min
